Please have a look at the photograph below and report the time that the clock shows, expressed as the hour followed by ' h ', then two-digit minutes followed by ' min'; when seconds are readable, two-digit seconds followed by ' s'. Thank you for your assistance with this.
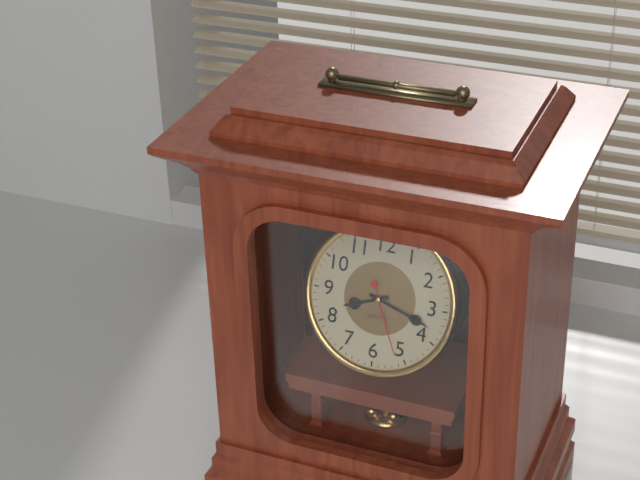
8 h 18 min 26 s
